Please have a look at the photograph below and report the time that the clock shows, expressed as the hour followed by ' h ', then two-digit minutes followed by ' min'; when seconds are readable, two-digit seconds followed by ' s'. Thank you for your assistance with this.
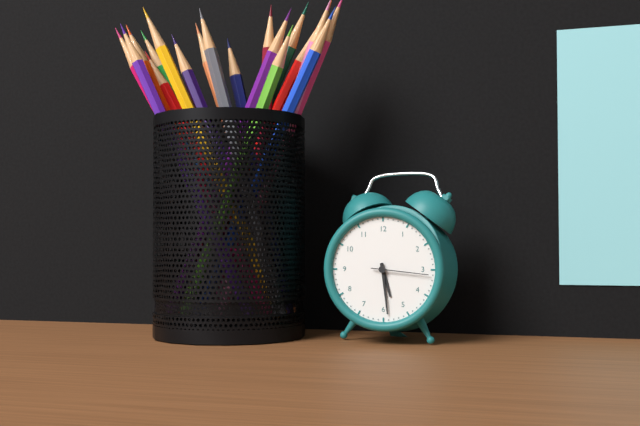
5 h 29 min 16 s
